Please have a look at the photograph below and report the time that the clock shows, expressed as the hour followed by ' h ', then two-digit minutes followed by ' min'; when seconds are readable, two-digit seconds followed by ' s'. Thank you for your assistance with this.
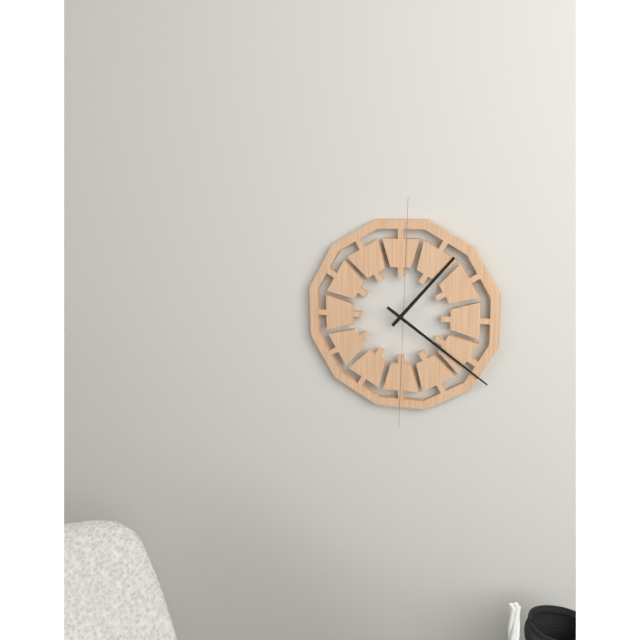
1 h 21 min
